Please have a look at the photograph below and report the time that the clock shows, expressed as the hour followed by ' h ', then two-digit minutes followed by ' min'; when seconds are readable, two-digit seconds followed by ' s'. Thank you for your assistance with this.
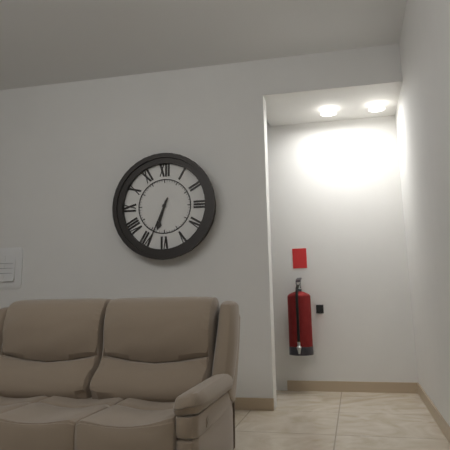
6 h 34 min
